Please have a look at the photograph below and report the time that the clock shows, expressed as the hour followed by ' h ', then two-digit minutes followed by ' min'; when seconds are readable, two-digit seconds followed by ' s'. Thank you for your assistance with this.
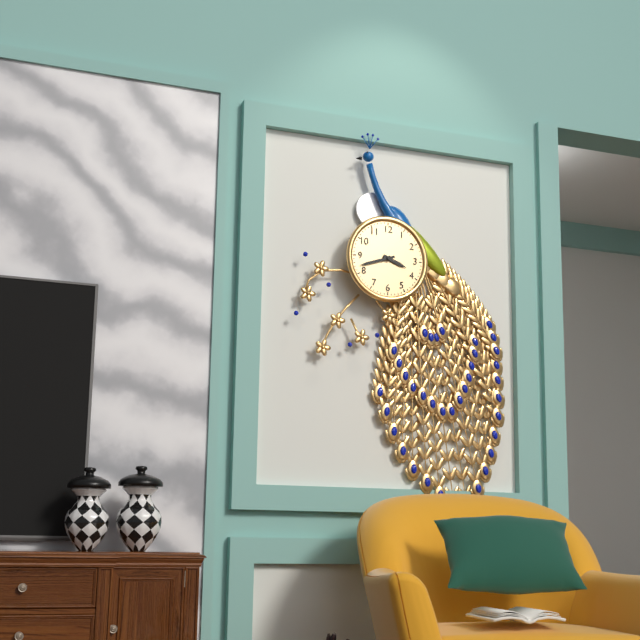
3 h 42 min
